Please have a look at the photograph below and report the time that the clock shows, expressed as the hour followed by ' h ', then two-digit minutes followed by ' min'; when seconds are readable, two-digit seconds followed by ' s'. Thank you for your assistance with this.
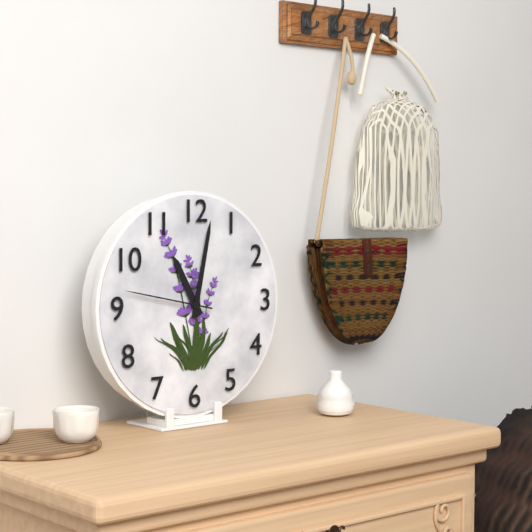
11 h 02 min 47 s
